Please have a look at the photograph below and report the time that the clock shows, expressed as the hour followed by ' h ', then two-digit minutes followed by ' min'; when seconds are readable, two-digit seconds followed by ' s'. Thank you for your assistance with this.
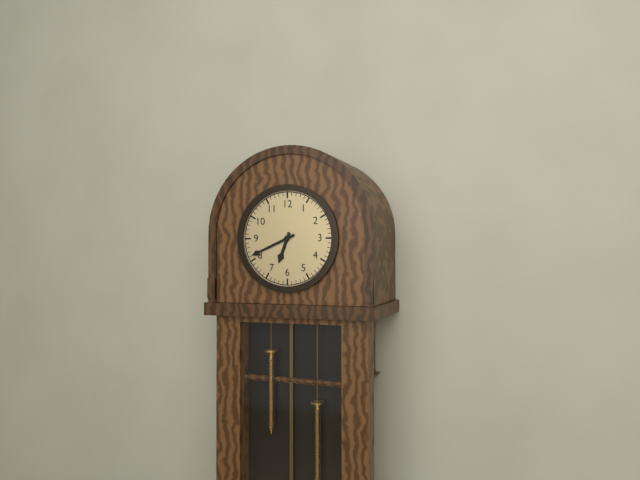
6 h 41 min
